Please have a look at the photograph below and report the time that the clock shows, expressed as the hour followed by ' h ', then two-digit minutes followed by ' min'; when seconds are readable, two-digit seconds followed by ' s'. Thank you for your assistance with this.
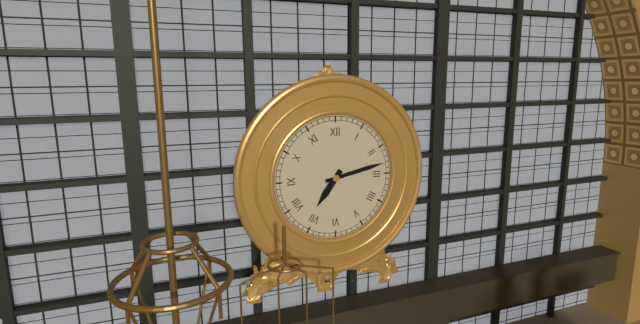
7 h 13 min
